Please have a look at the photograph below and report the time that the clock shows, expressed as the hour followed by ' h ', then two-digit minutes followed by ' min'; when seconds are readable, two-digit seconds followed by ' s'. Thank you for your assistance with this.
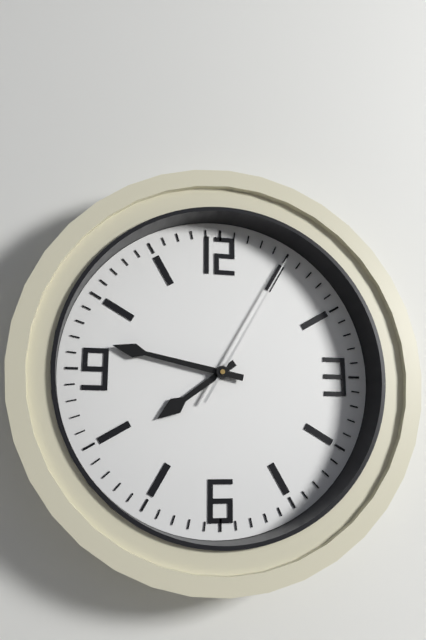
7 h 47 min 05 s
